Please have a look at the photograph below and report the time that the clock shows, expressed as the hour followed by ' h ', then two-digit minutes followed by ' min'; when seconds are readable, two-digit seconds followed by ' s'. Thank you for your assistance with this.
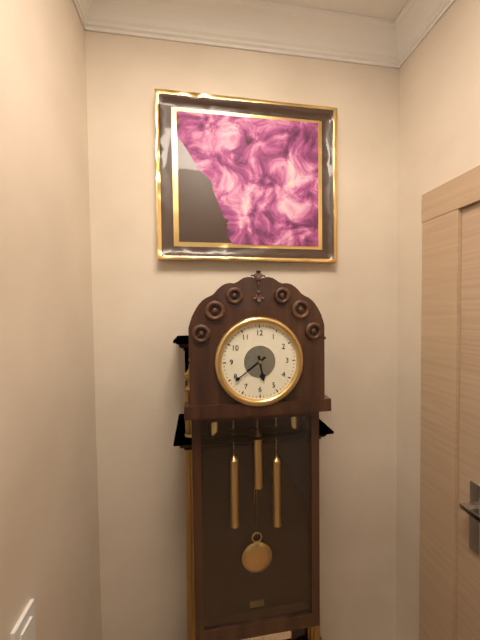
5 h 39 min
